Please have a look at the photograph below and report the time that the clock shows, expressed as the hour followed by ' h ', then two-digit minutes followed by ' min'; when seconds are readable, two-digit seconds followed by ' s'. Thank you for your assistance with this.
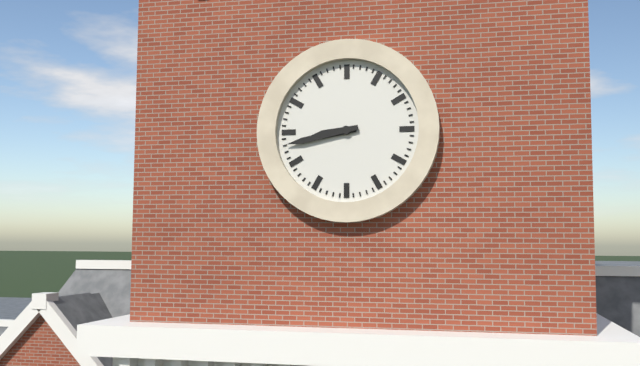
8 h 43 min
